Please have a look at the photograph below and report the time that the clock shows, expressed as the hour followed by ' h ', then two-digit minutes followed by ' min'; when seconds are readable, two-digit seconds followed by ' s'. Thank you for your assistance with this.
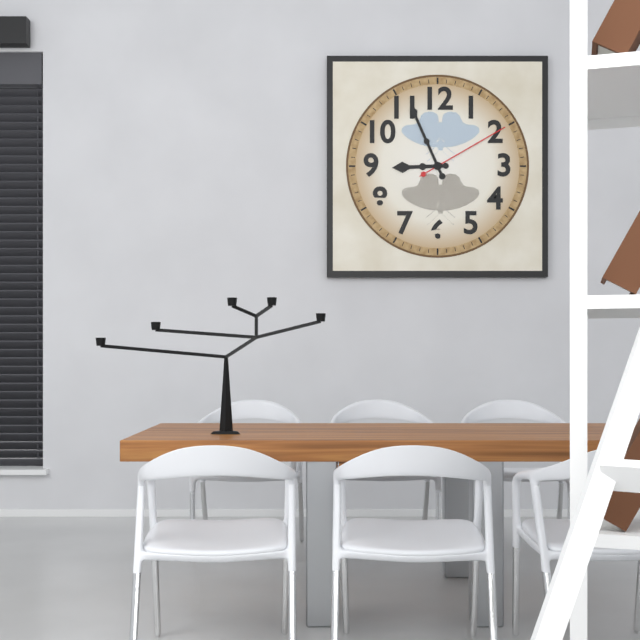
8 h 56 min 10 s
